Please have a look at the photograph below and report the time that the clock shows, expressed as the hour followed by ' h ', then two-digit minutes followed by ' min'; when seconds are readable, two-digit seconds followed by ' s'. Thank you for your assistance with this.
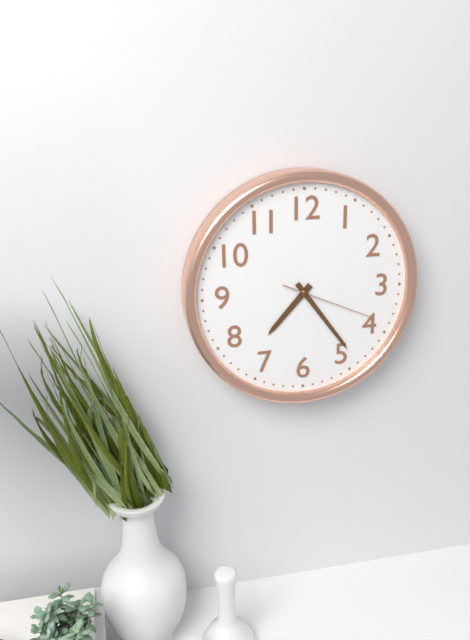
7 h 24 min 19 s
